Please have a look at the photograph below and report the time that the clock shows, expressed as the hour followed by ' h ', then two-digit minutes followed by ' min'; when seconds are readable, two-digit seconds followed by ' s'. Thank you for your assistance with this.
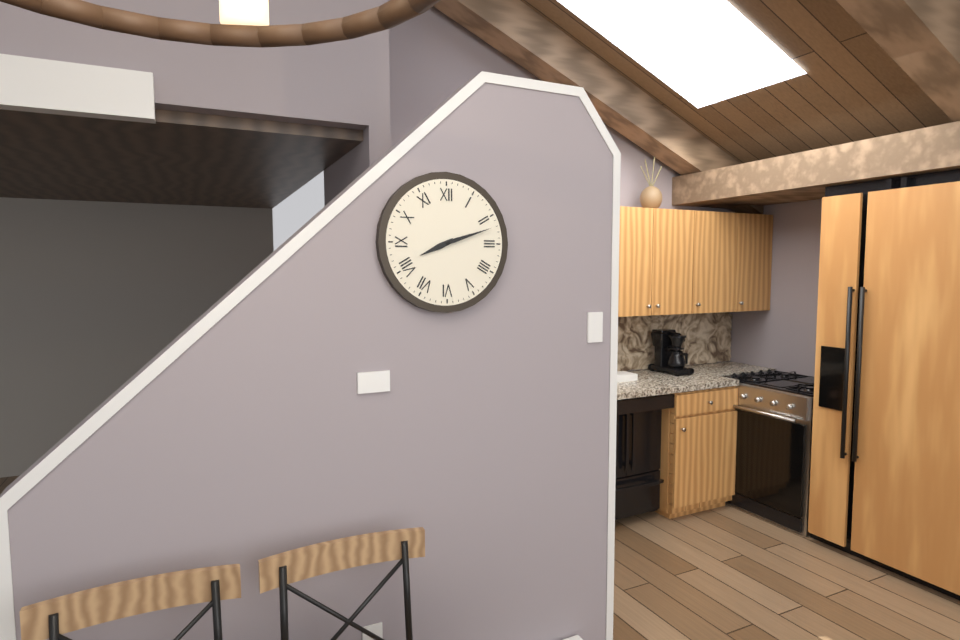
8 h 12 min
